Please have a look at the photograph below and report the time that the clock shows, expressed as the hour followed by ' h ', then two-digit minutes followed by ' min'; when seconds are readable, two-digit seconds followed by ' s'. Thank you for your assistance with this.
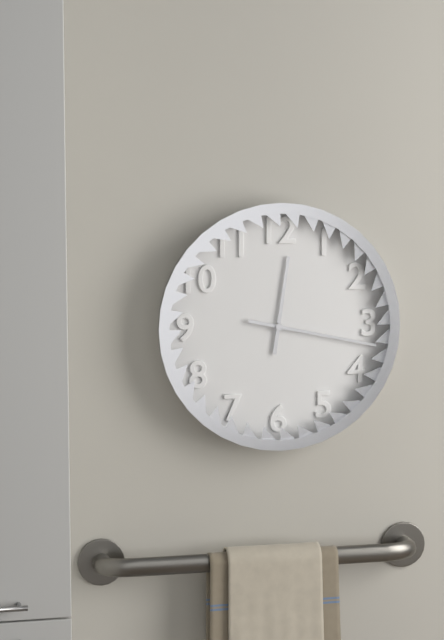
12 h 17 min
